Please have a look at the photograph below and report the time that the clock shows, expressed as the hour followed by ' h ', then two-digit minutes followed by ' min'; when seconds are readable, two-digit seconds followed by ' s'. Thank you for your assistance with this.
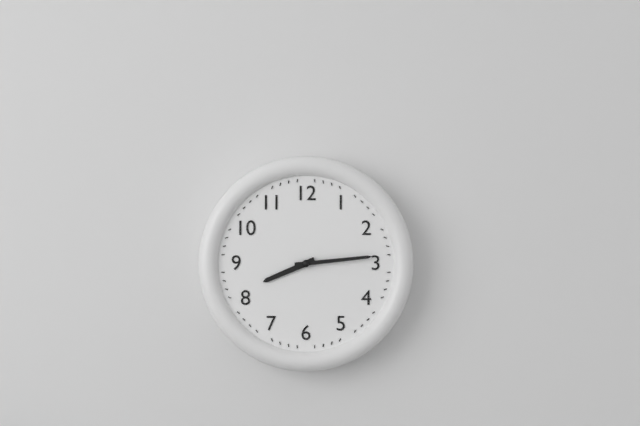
8 h 14 min
